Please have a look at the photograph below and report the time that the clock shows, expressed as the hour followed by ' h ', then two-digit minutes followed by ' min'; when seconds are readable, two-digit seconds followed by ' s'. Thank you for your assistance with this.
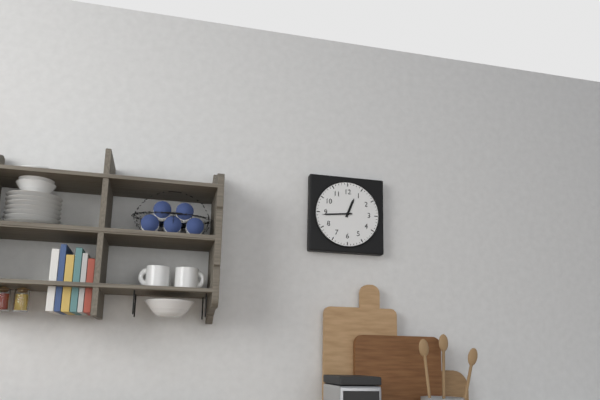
12 h 44 min
